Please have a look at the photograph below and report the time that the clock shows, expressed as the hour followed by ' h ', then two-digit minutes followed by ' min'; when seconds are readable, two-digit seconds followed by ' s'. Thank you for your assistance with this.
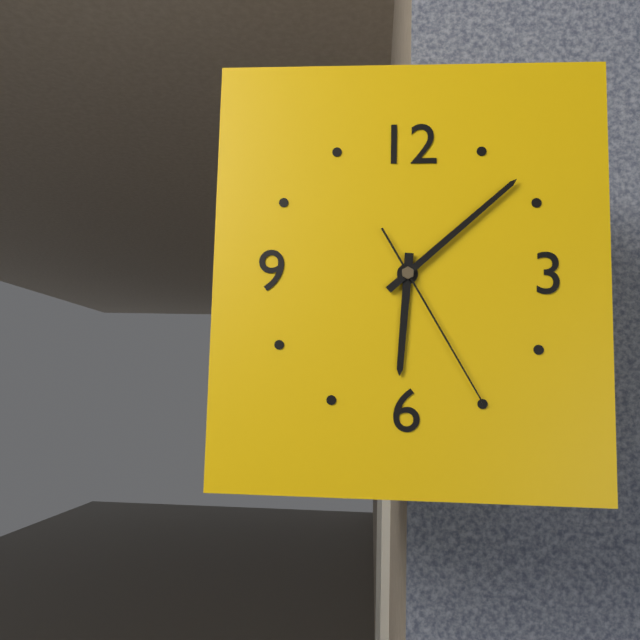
6 h 08 min 25 s
